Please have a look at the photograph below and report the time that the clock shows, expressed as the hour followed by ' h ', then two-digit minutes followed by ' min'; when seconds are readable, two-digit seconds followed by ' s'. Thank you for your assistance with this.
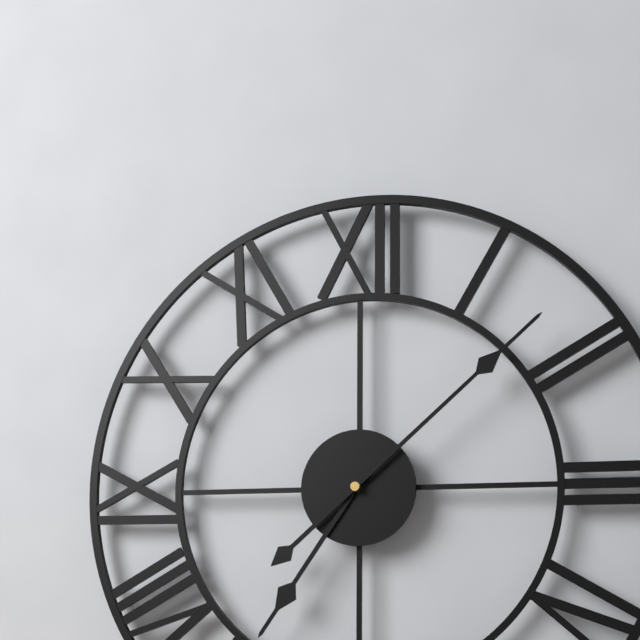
7 h 08 min
